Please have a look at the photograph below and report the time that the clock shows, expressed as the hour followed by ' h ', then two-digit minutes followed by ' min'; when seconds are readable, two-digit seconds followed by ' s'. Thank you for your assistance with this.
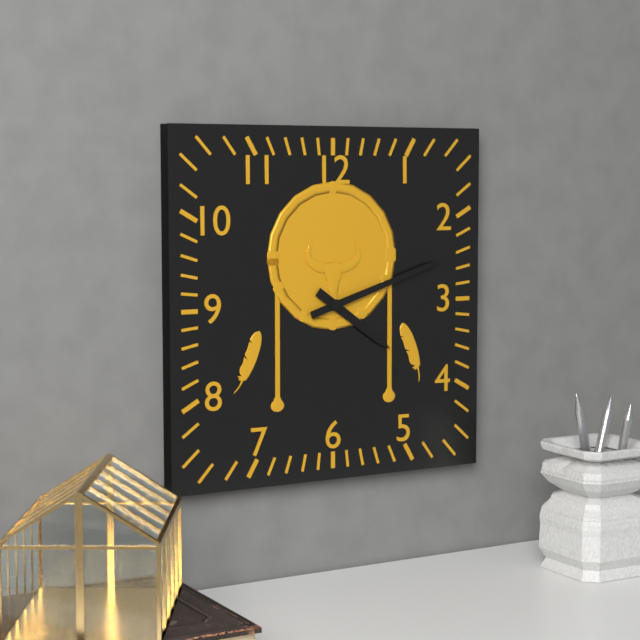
4 h 12 min
